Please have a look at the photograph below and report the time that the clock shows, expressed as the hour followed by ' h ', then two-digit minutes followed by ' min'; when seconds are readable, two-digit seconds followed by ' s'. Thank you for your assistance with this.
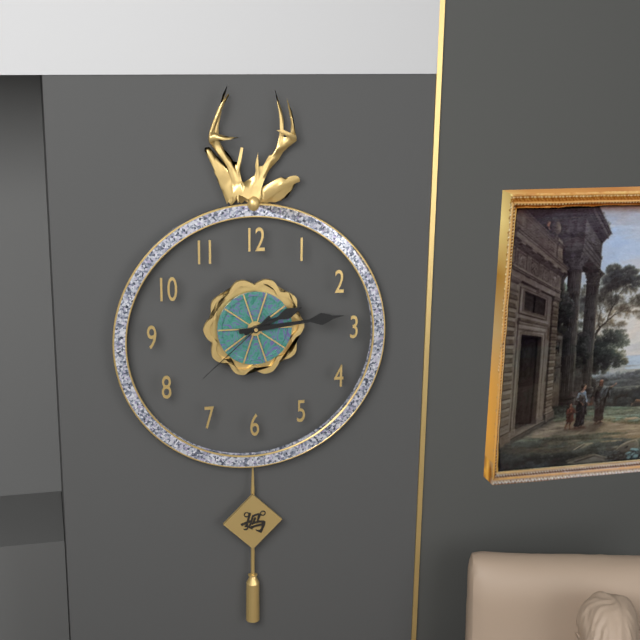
2 h 14 min 38 s
